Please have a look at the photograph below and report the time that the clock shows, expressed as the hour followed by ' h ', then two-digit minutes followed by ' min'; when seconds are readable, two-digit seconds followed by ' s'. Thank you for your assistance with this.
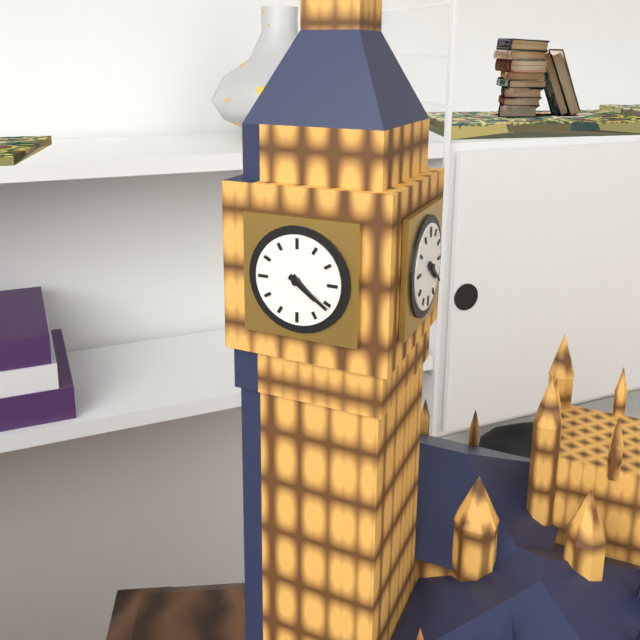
4 h 21 min
